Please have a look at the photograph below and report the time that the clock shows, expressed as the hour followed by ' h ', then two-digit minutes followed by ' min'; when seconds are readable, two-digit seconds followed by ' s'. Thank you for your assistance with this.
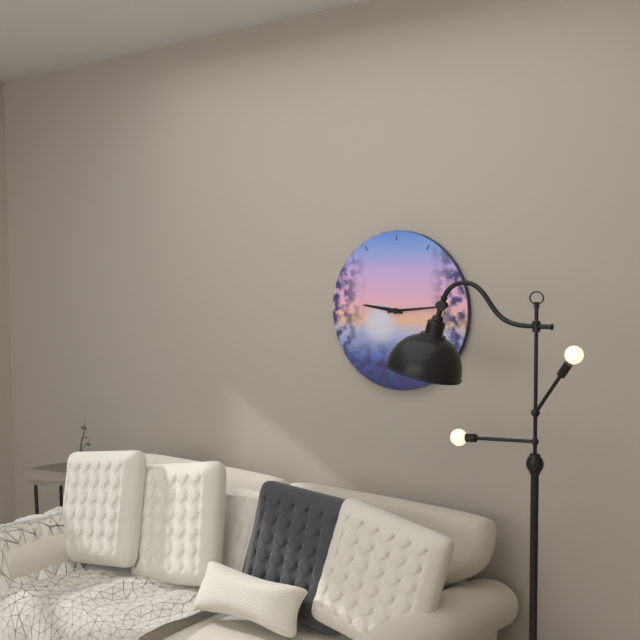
9 h 14 min
